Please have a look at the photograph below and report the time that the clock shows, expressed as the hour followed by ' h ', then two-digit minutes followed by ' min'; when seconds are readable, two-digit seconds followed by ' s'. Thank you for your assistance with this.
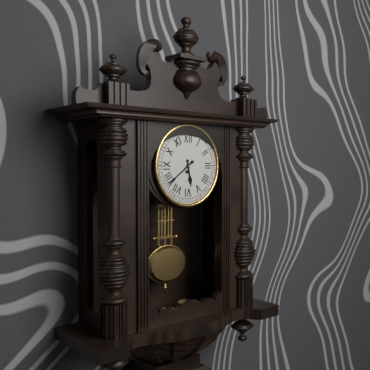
5 h 39 min
